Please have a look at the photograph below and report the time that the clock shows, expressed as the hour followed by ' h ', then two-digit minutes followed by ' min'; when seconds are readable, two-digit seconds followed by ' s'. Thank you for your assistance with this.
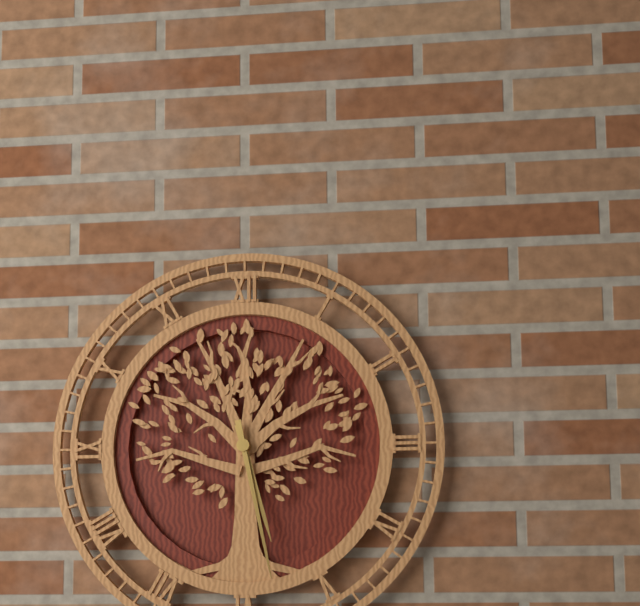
5 h 28 min
